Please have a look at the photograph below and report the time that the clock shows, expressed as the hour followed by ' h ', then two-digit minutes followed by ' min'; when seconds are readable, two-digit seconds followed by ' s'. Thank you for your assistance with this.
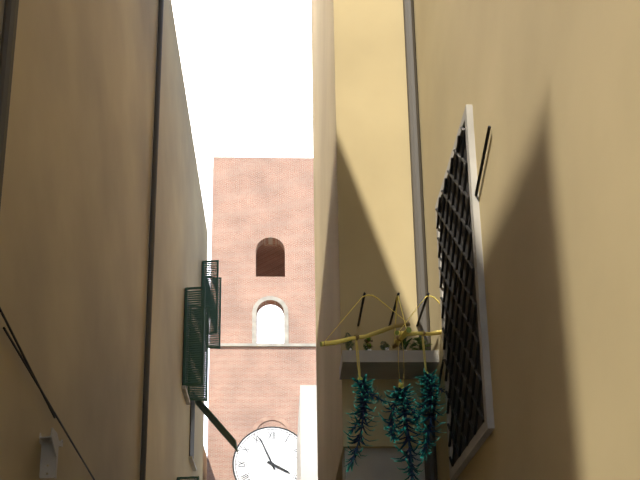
3 h 56 min
